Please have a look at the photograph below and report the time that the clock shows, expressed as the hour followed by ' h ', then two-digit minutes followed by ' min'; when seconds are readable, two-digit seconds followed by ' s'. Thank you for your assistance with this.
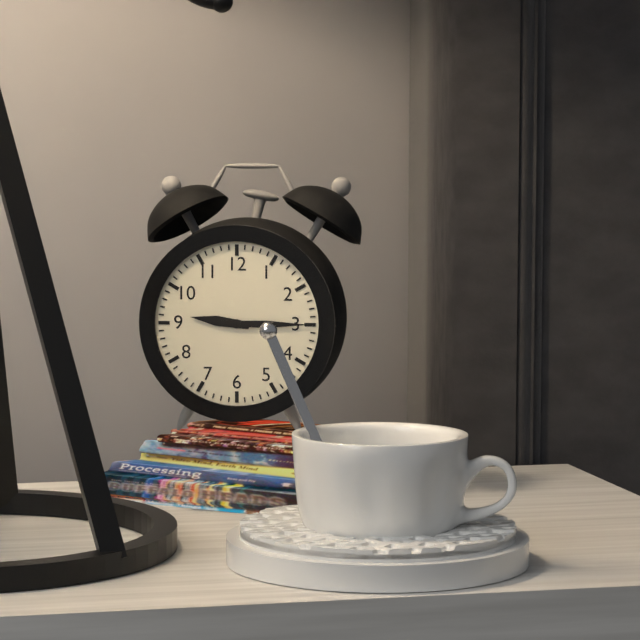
9 h 15 min
